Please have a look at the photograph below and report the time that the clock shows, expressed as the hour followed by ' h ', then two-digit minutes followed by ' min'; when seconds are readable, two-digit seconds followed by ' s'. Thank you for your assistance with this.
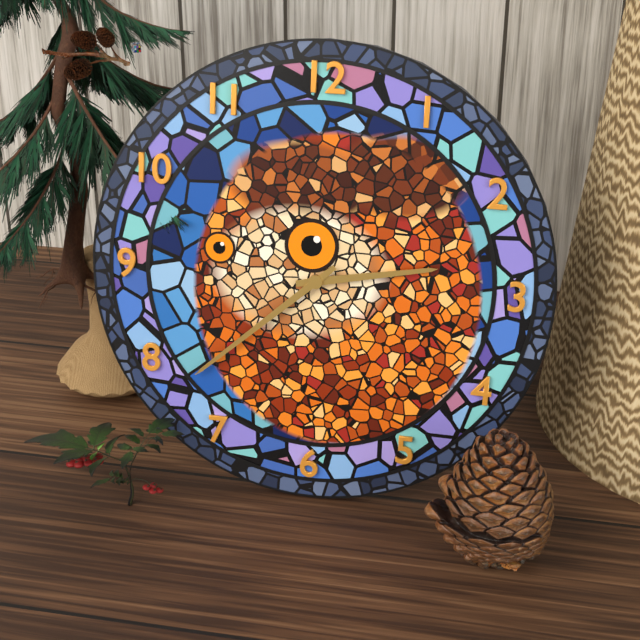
2 h 38 min
